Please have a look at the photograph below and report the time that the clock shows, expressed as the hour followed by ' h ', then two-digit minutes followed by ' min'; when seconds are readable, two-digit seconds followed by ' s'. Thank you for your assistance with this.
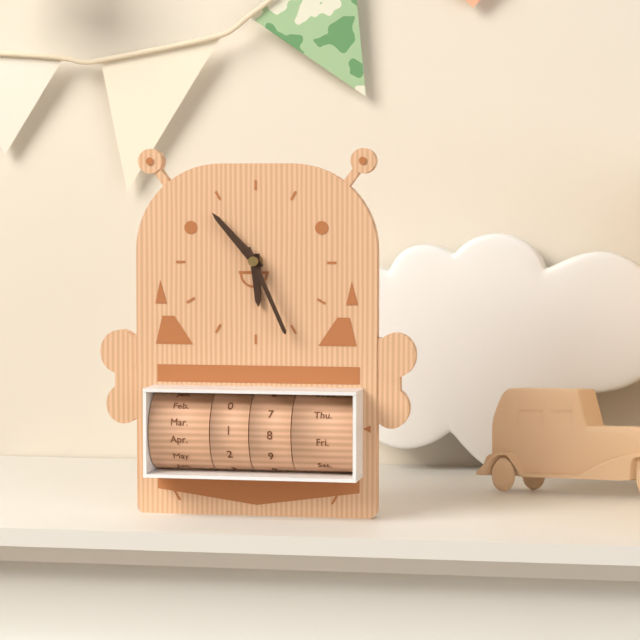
5 h 53 min 26 s
